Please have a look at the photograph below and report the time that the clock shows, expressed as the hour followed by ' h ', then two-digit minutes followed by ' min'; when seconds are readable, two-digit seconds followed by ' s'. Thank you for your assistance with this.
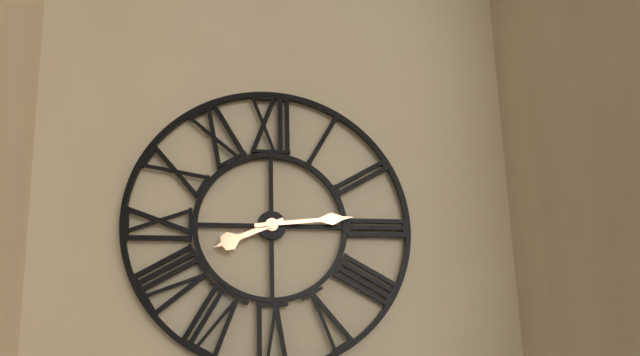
8 h 14 min
